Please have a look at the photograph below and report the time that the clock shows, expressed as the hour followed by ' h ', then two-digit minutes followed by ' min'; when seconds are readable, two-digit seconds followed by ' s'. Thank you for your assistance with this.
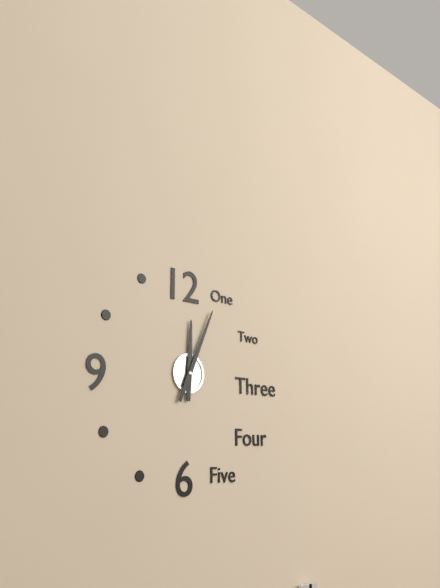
12 h 04 min
